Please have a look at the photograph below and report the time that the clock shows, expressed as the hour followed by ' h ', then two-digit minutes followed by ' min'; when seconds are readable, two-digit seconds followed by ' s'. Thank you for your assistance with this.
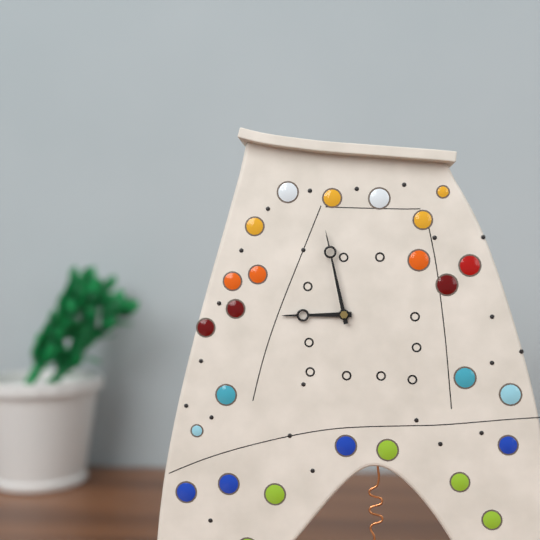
8 h 58 min
